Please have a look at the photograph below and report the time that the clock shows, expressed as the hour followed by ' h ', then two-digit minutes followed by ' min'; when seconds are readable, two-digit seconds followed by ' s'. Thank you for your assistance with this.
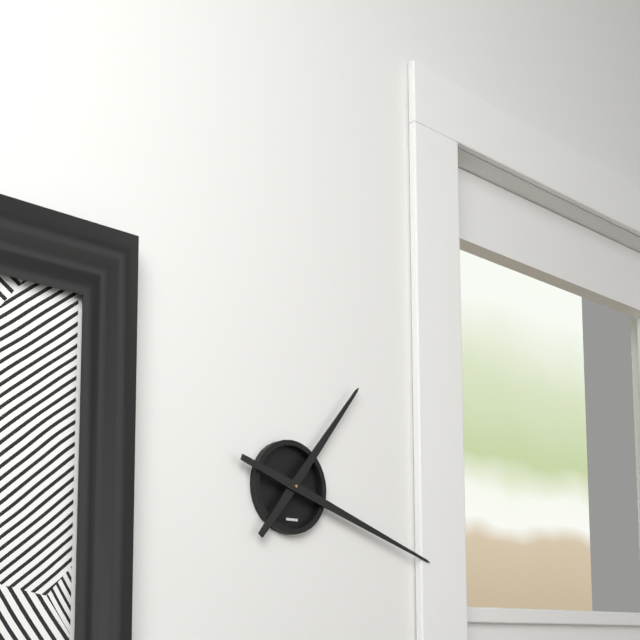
1 h 18 min
